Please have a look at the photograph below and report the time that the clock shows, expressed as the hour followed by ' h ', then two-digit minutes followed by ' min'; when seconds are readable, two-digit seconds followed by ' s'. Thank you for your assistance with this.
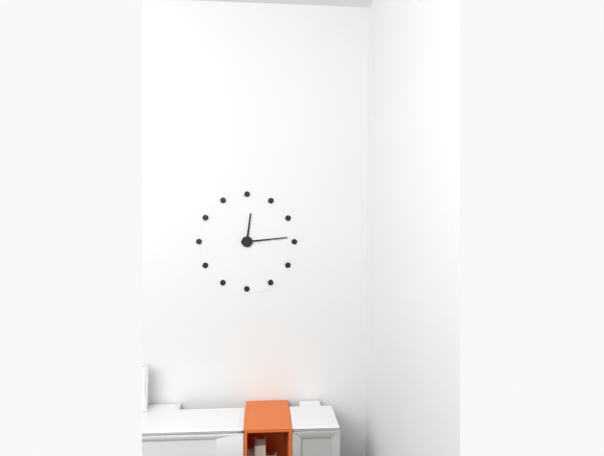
12 h 14 min
